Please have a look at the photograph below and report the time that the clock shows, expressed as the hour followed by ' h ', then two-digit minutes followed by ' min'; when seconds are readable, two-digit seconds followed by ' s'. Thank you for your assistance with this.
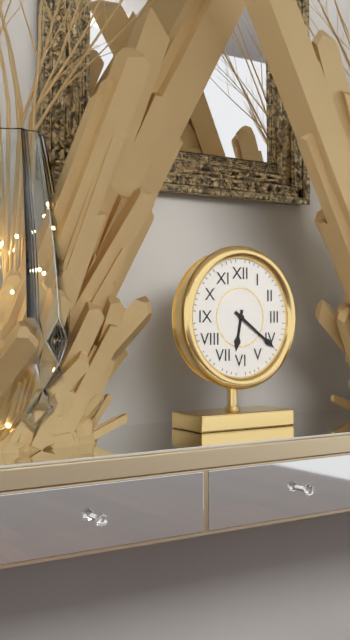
6 h 21 min
